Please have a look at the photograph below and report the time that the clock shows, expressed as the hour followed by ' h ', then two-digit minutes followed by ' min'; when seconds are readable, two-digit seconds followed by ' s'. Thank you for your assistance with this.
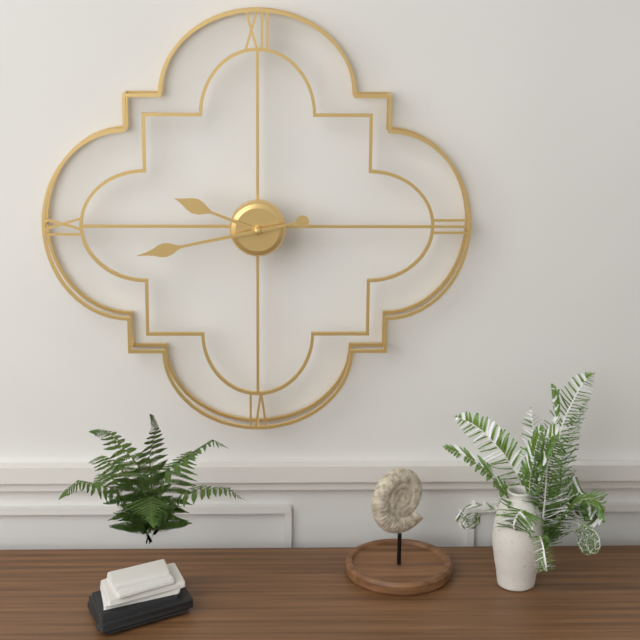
9 h 43 min
